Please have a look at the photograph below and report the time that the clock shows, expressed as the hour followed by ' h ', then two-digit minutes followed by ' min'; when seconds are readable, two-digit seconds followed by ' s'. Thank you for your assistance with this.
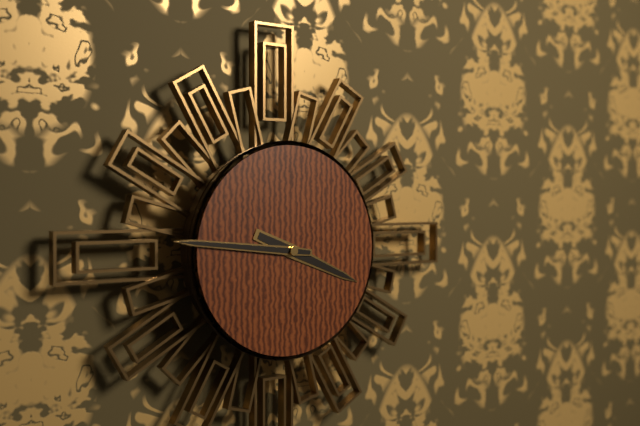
3 h 46 min
